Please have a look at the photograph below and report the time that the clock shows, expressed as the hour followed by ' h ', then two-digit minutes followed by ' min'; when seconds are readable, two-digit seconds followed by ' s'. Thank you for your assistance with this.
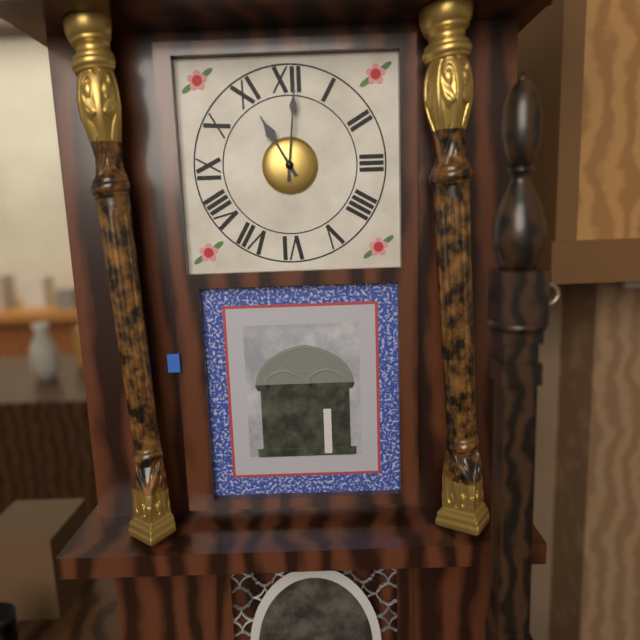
11 h 01 min
